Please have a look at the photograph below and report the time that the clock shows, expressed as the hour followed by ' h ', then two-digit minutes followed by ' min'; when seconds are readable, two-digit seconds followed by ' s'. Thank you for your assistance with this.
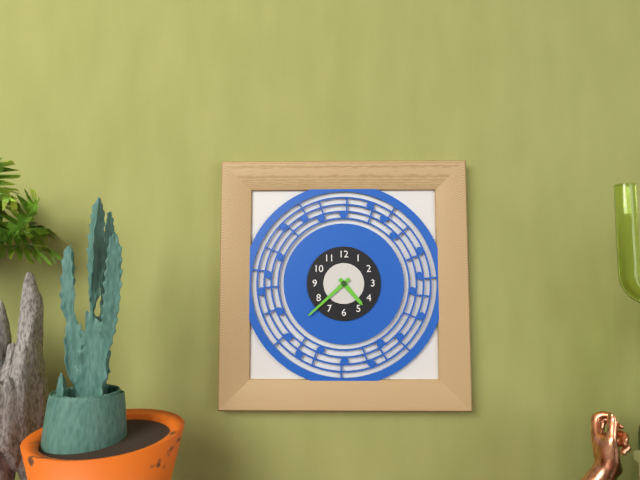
4 h 38 min
